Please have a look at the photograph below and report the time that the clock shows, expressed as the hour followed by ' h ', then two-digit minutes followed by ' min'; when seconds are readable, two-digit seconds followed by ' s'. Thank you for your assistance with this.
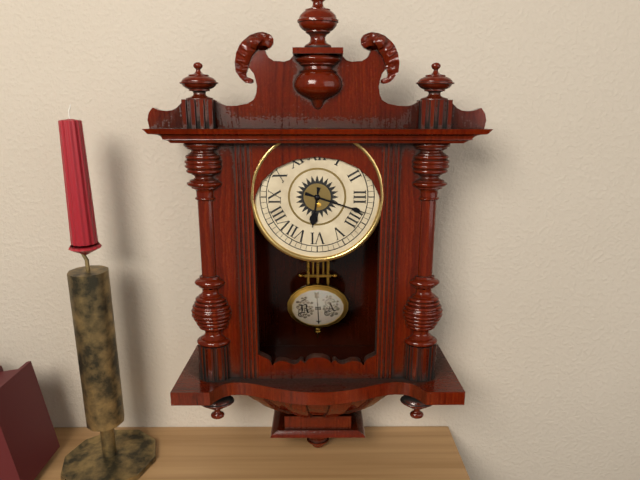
6 h 18 min
